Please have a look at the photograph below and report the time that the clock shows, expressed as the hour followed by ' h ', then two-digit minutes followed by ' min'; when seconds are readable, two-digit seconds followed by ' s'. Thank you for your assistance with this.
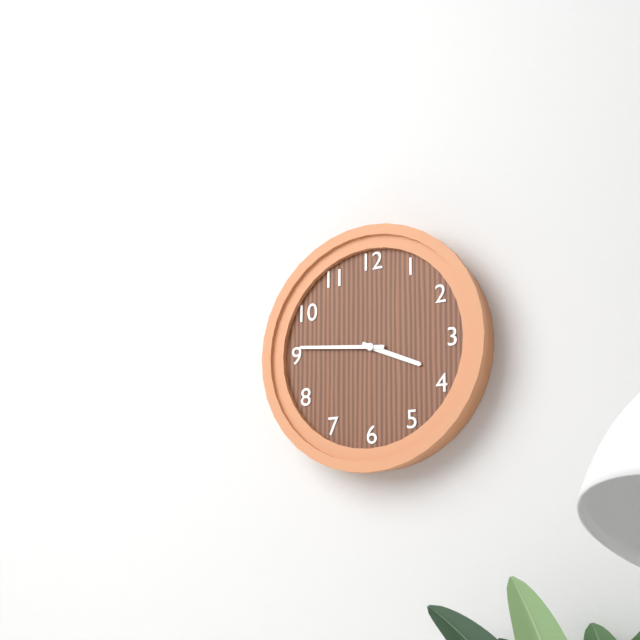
3 h 46 min
